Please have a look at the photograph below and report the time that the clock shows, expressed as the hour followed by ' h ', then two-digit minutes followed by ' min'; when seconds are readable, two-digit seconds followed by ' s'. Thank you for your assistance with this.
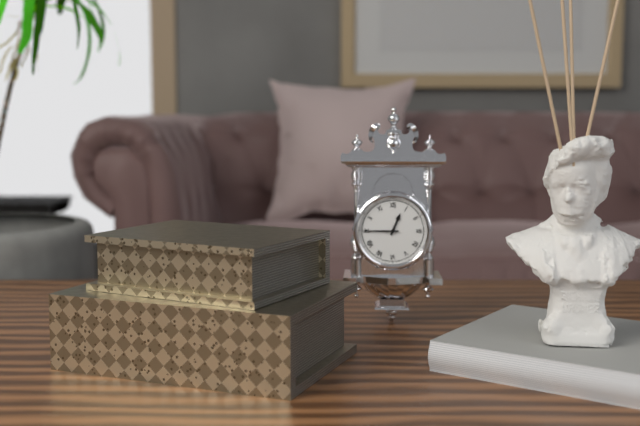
12 h 45 min
